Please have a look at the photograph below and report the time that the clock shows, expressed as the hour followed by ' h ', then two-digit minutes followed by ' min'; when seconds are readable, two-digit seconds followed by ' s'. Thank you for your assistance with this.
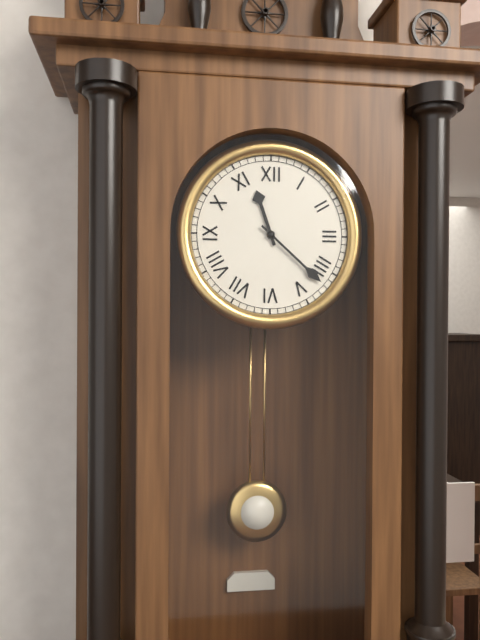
11 h 22 min
